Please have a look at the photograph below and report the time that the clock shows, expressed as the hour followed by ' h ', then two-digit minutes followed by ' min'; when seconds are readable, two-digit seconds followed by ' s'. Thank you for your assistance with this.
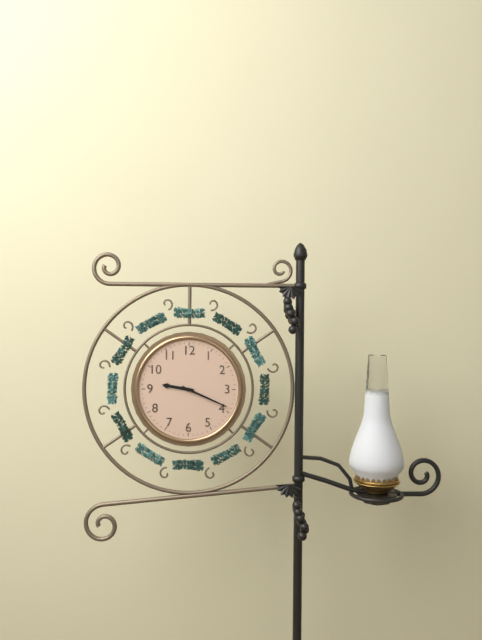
9 h 19 min
